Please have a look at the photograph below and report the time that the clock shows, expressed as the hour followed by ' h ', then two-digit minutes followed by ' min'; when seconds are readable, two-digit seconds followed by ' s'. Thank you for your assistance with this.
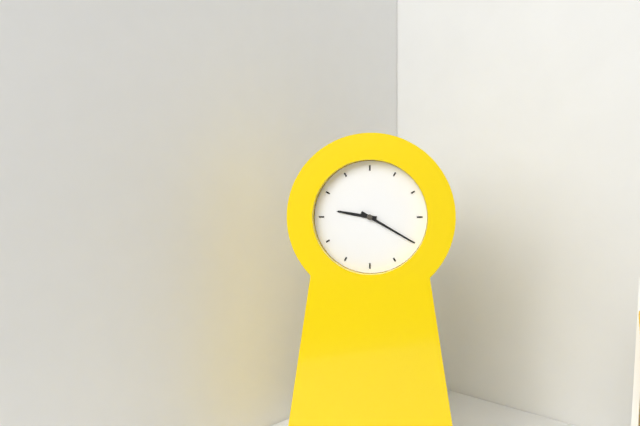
9 h 20 min
